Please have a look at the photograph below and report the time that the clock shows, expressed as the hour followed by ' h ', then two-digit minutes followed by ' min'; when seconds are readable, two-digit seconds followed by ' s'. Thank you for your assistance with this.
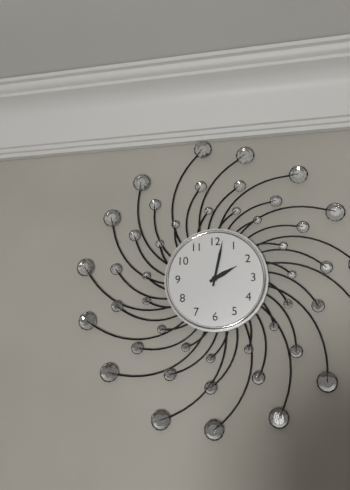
2 h 02 min
